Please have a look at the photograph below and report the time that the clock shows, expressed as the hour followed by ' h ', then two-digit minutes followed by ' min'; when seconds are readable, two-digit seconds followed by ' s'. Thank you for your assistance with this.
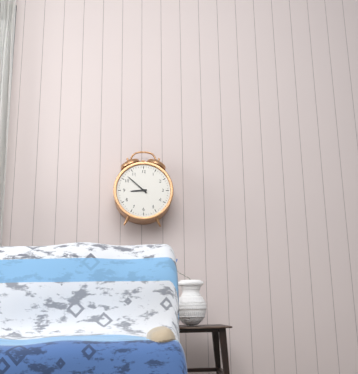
8 h 52 min
